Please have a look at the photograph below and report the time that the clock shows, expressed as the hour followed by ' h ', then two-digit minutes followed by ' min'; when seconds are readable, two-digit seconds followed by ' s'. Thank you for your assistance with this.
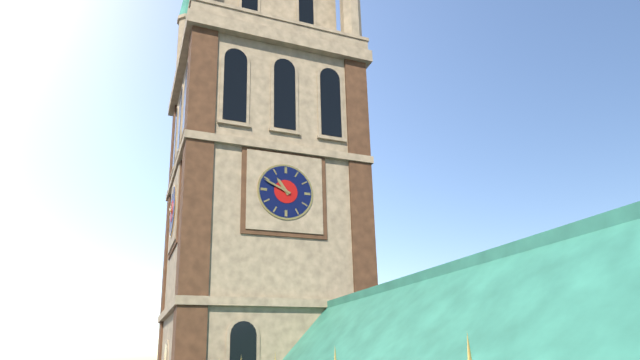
10 h 49 min
